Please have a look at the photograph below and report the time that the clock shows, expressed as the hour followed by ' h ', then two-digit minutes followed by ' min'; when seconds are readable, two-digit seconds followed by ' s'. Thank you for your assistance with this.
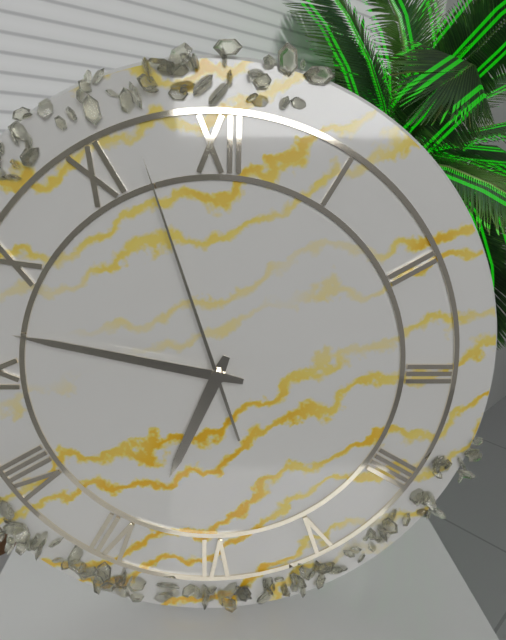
6 h 47 min 57 s
